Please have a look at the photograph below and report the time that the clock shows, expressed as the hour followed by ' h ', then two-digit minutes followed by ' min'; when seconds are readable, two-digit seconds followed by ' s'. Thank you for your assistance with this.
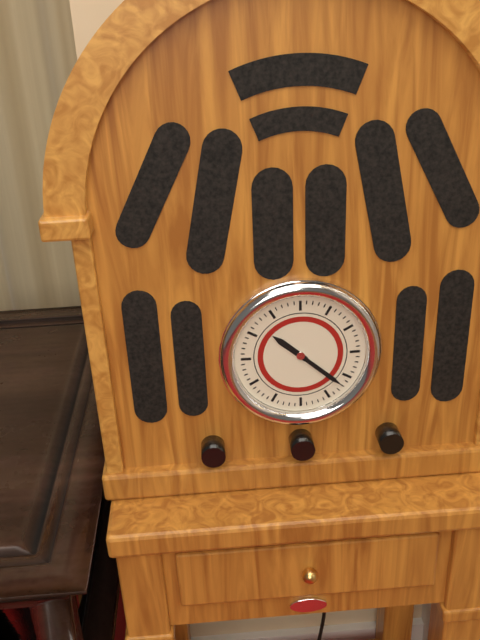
10 h 22 min
